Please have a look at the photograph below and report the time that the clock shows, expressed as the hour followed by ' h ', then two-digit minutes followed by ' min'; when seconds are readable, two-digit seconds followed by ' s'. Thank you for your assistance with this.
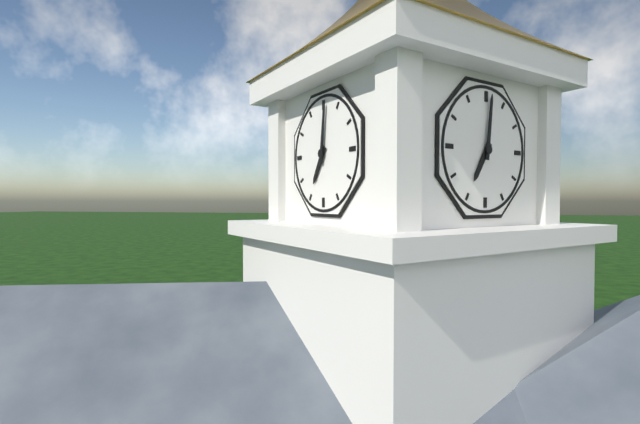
7 h 01 min
